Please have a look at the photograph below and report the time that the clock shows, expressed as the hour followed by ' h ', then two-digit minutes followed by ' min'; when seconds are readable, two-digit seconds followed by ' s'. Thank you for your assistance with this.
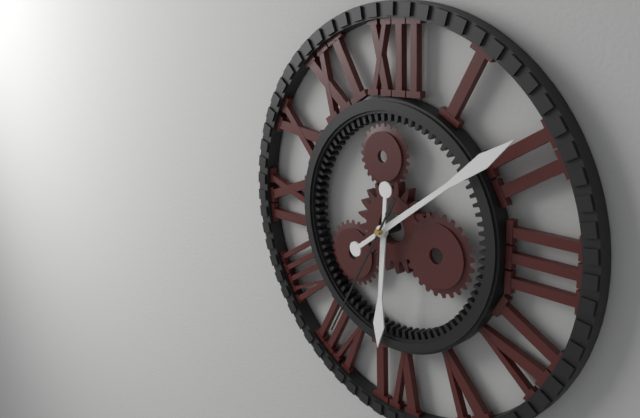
6 h 09 min 35 s
